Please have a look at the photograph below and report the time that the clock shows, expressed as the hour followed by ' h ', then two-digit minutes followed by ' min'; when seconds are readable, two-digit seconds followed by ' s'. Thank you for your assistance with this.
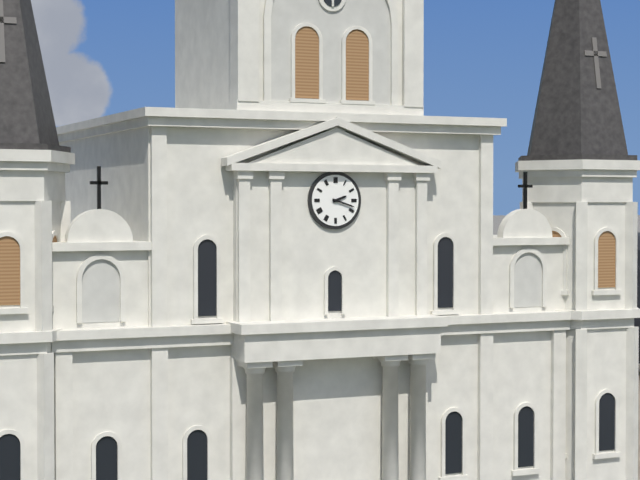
2 h 18 min
